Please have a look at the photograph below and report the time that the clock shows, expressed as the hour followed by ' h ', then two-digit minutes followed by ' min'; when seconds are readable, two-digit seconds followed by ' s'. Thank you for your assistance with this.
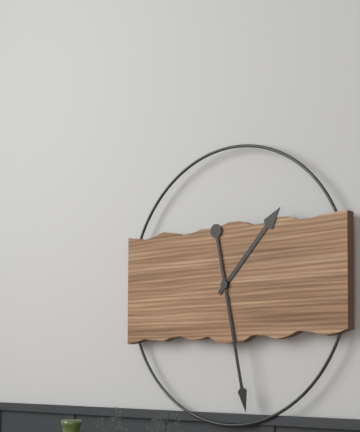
1 h 28 min
